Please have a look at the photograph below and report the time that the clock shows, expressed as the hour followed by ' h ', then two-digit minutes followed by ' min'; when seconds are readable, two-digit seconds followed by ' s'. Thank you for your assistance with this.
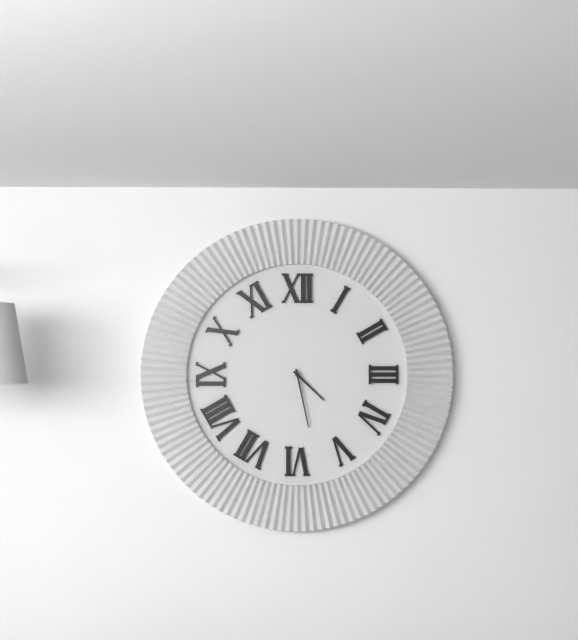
4 h 28 min
